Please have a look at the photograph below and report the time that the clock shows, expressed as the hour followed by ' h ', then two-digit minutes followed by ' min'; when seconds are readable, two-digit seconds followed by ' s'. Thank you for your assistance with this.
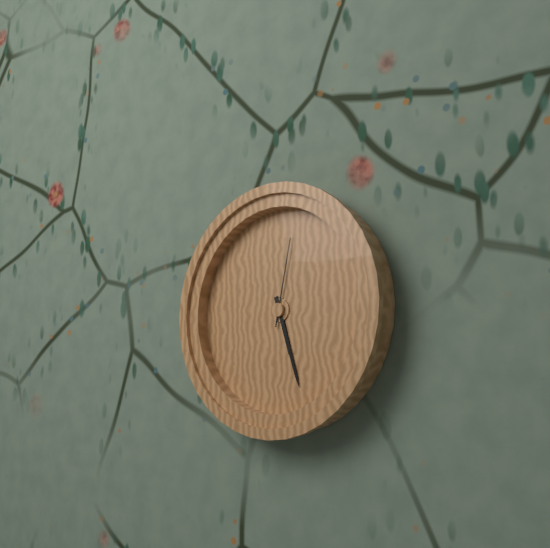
5 h 27 min 02 s
